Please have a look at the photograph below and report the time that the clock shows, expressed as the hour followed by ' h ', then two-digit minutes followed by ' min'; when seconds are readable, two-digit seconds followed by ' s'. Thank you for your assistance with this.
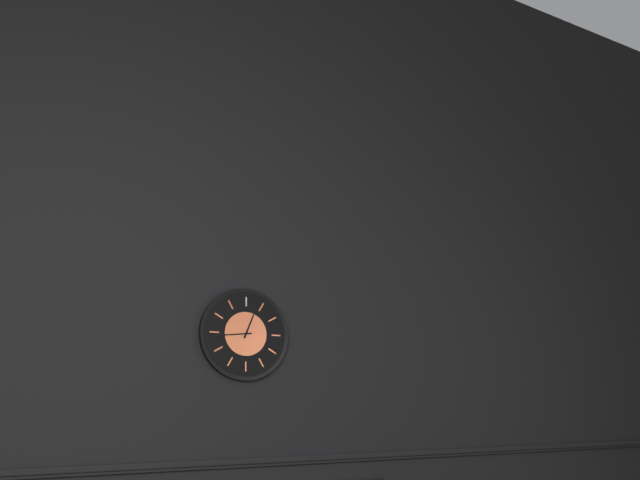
12 h 44 min
